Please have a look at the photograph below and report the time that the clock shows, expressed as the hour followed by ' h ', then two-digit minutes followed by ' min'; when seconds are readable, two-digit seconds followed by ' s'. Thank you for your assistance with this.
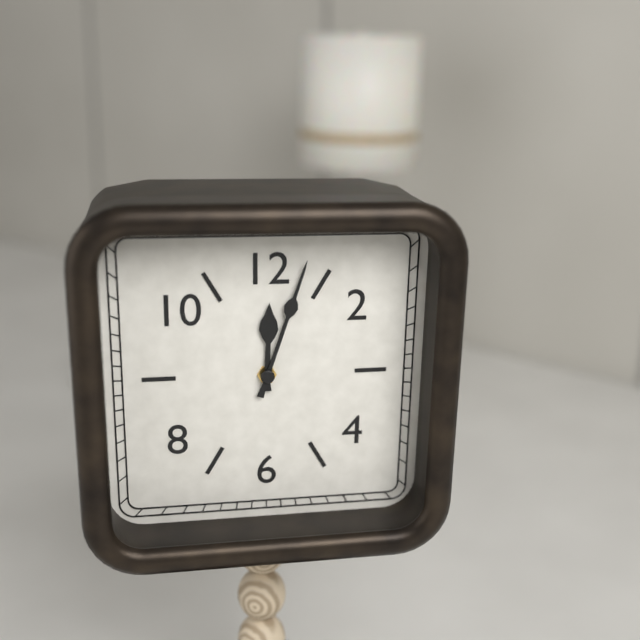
12 h 03 min
